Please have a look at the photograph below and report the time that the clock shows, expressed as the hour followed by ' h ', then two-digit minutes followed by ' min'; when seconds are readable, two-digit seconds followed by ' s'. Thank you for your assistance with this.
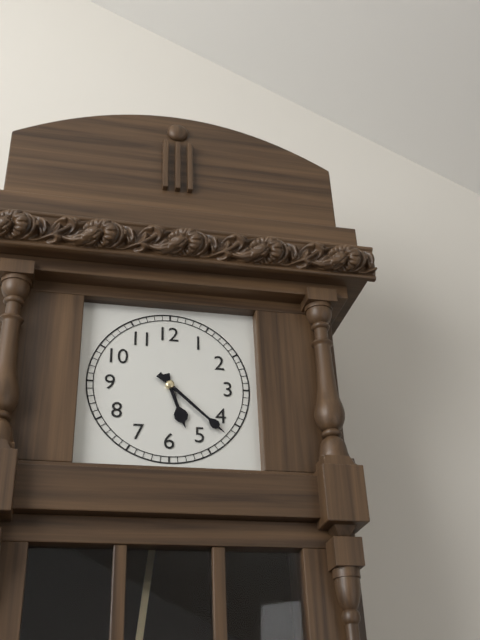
5 h 22 min
